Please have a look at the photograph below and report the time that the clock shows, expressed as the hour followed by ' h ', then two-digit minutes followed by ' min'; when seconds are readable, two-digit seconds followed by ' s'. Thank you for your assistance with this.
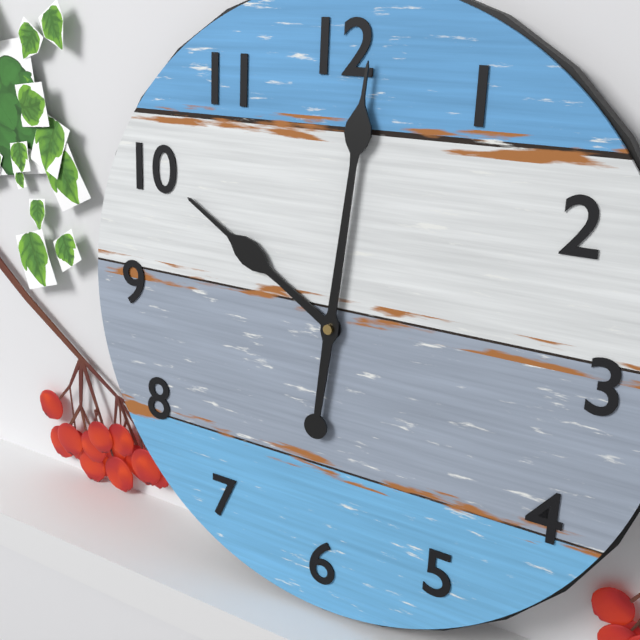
10 h 01 min
